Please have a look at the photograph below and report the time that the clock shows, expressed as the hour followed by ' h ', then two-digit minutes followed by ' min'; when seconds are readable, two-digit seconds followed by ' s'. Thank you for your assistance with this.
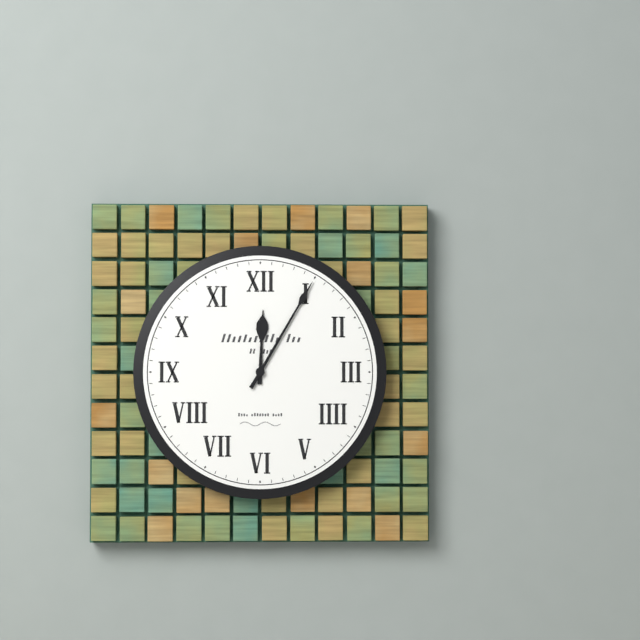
12 h 05 min
